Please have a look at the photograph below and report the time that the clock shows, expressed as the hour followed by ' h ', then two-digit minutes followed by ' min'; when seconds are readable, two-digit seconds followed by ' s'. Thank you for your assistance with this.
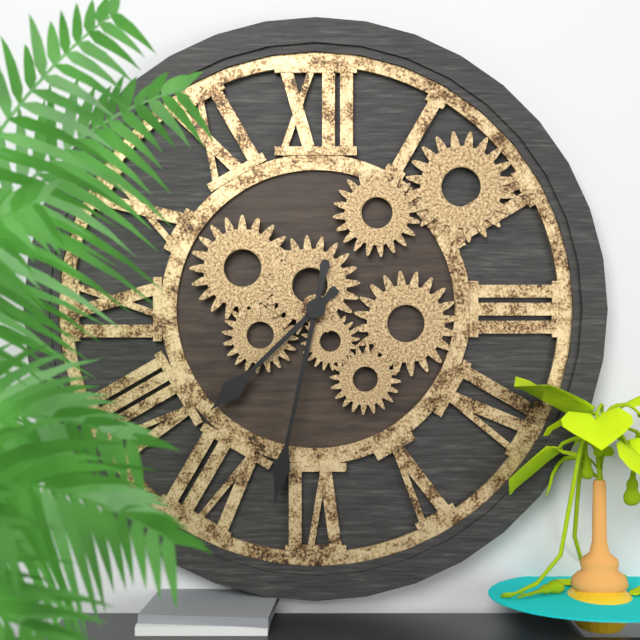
7 h 32 min
